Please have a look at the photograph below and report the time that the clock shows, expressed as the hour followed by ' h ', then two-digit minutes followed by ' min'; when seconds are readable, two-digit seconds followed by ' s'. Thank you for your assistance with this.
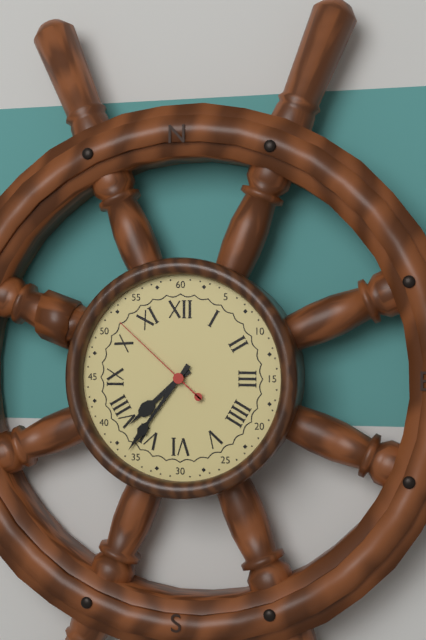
7 h 36 min 52 s
